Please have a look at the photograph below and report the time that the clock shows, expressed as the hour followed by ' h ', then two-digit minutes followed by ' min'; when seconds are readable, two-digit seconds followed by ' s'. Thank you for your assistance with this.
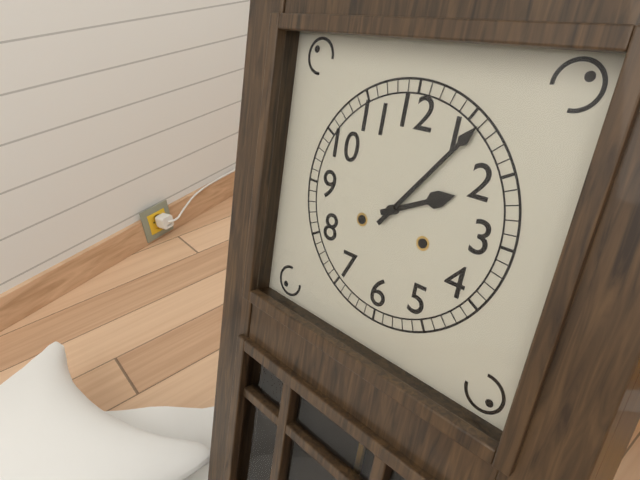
2 h 06 min
